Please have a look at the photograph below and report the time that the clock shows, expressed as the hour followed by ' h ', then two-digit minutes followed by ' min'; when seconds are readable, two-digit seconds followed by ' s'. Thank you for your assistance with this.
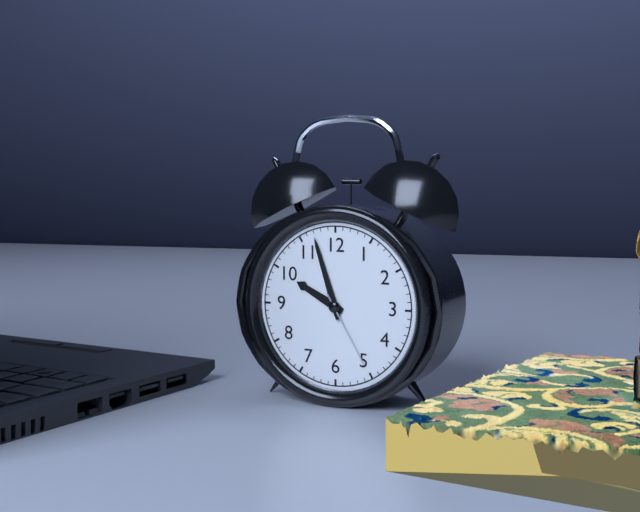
9 h 57 min 25 s
